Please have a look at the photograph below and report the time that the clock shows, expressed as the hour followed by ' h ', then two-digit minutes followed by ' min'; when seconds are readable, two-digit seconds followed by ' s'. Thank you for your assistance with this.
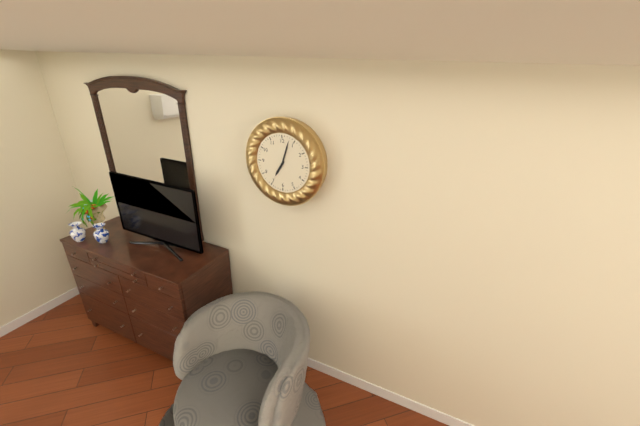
7 h 03 min
